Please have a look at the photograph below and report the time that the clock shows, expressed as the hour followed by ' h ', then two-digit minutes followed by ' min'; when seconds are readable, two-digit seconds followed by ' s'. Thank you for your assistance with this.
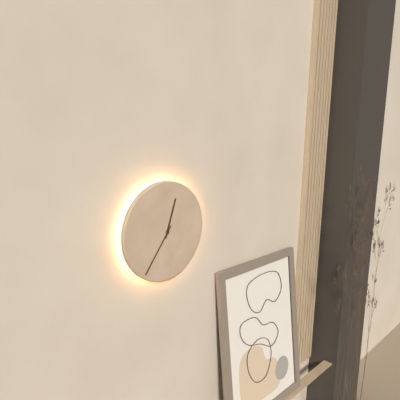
12 h 36 min
